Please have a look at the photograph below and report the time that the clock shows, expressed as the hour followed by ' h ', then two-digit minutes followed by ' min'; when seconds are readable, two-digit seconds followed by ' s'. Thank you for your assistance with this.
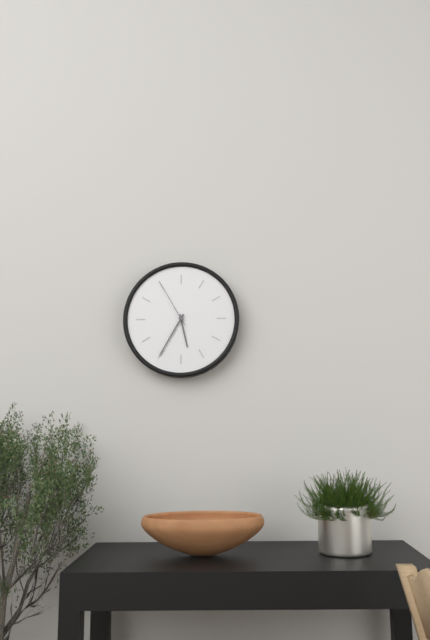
5 h 35 min 55 s
